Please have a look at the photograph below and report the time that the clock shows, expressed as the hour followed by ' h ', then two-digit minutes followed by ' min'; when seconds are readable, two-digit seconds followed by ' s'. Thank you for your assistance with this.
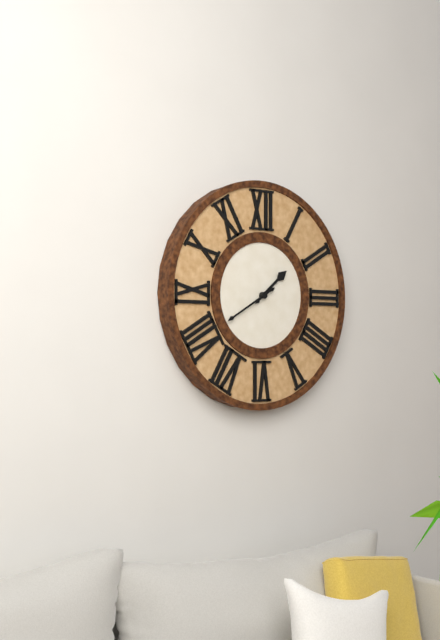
1 h 40 min
